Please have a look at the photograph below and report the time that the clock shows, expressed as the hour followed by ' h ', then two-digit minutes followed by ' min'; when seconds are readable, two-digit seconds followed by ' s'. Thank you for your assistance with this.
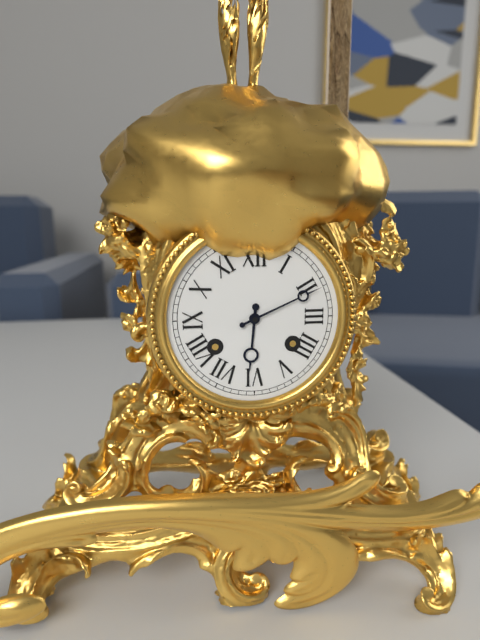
6 h 11 min
